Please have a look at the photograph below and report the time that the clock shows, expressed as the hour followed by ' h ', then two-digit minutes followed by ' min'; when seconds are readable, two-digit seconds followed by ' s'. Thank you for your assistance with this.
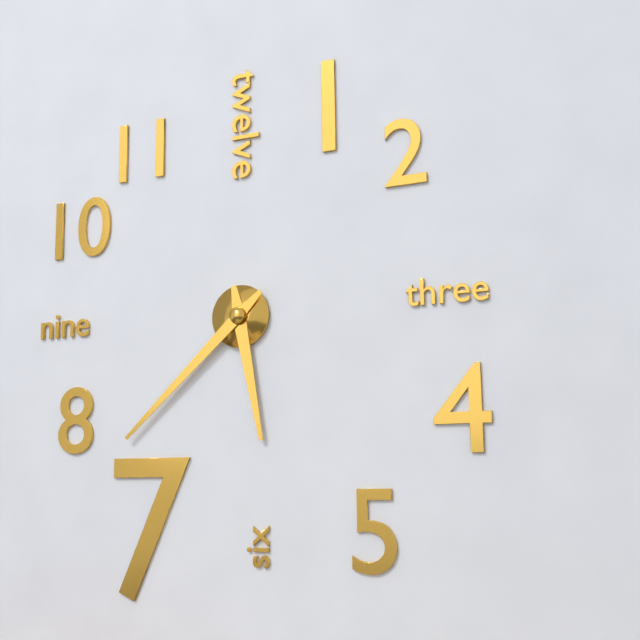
5 h 38 min
